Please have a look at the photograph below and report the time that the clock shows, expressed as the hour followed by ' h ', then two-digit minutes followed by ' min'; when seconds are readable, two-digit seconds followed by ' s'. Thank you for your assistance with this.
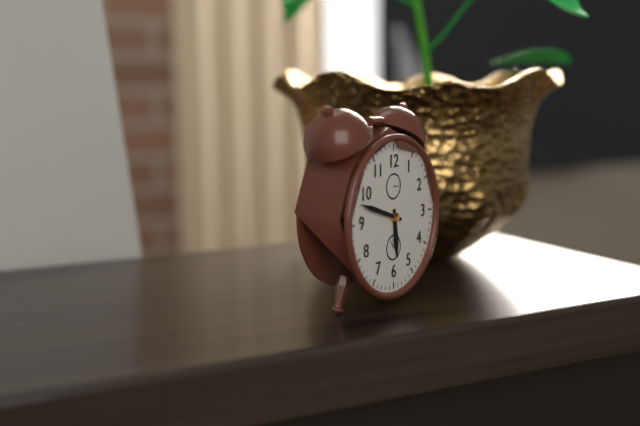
5 h 48 min
